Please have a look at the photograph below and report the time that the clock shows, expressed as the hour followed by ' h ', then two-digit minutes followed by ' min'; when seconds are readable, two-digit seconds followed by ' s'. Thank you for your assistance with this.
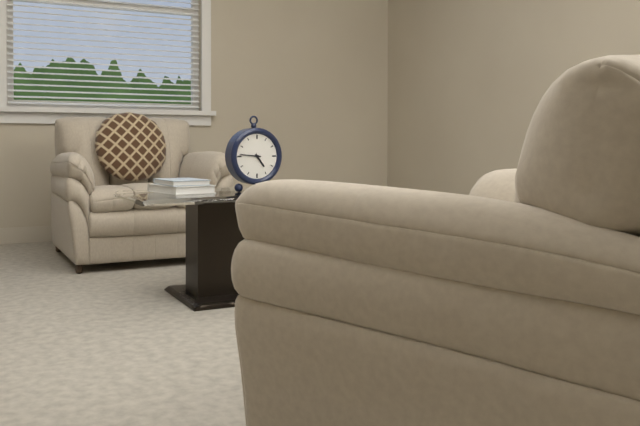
4 h 46 min
